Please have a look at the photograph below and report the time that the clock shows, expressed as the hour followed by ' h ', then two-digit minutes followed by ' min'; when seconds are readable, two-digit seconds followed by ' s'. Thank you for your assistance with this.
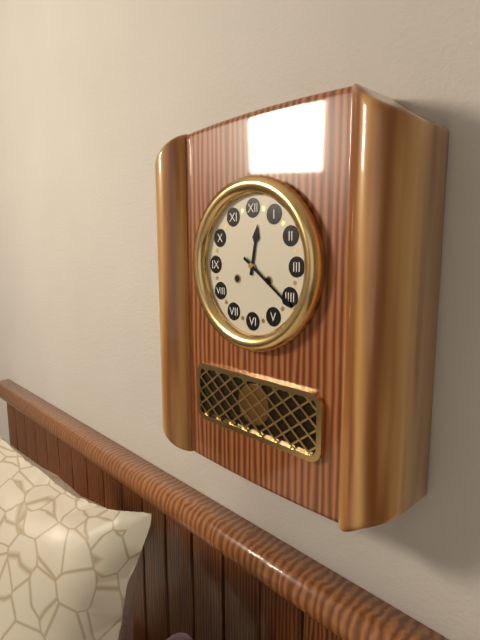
12 h 21 min
